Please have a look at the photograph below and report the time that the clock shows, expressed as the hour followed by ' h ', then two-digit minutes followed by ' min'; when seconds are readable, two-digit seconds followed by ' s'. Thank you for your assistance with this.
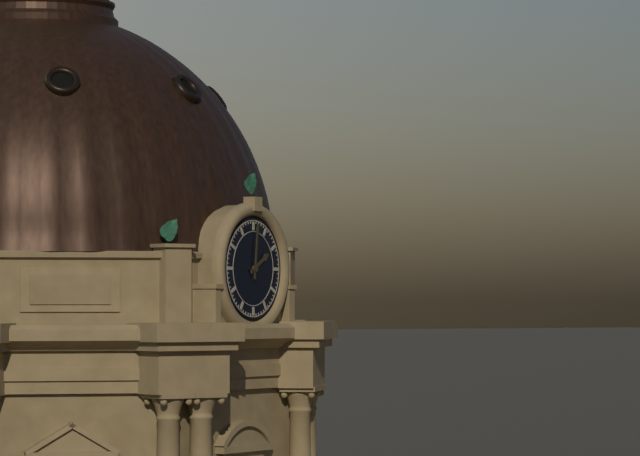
2 h 01 min
